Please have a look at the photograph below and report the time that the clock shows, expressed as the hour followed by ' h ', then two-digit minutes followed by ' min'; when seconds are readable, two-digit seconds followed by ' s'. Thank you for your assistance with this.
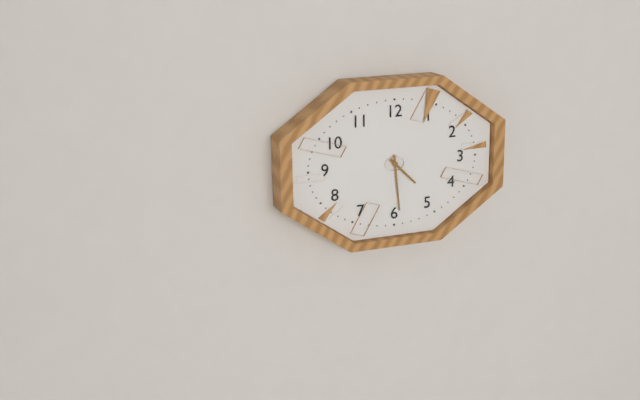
4 h 29 min
